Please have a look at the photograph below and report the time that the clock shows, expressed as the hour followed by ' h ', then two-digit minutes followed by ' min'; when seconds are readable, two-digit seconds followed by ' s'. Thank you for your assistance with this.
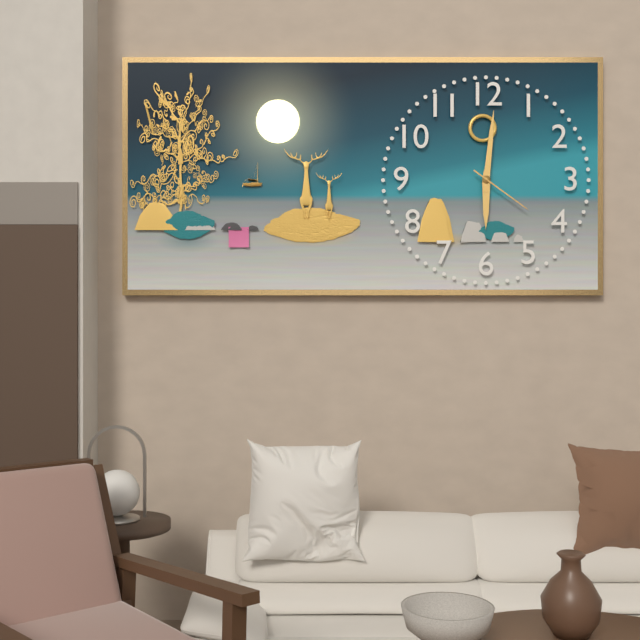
6 h 01 min 21 s
